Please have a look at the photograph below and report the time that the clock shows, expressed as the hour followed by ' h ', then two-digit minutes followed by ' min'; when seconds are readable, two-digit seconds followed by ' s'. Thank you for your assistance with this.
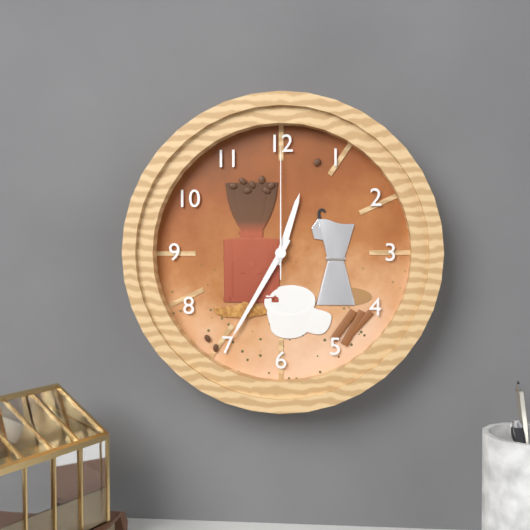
12 h 35 min 00 s
